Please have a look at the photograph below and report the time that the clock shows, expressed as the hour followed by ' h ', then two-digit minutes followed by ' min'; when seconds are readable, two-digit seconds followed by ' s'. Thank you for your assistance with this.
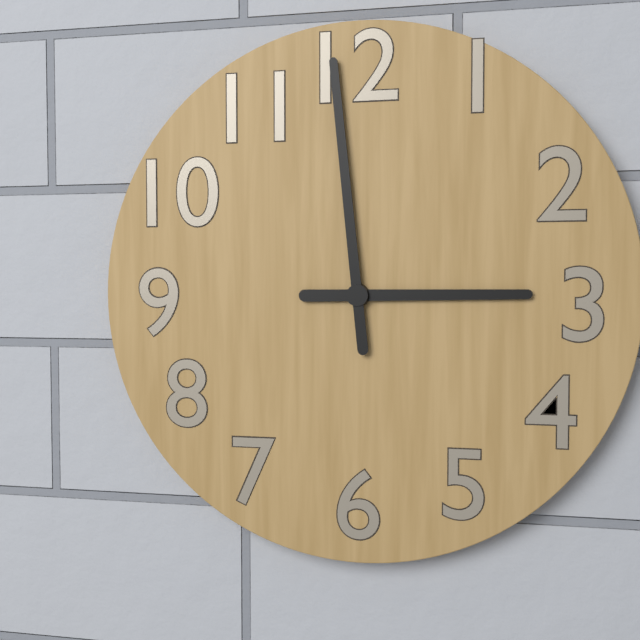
2 h 59 min
